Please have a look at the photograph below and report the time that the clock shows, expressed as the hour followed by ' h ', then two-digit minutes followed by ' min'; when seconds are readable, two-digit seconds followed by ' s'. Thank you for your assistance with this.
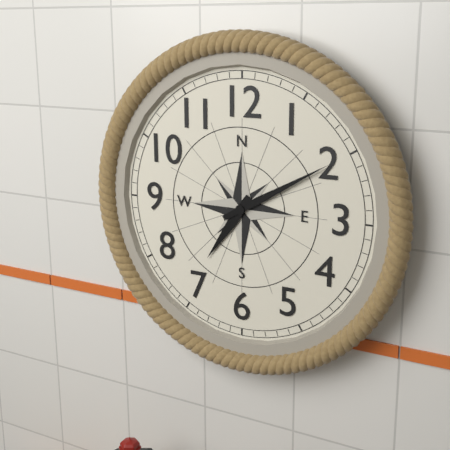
7 h 10 min
